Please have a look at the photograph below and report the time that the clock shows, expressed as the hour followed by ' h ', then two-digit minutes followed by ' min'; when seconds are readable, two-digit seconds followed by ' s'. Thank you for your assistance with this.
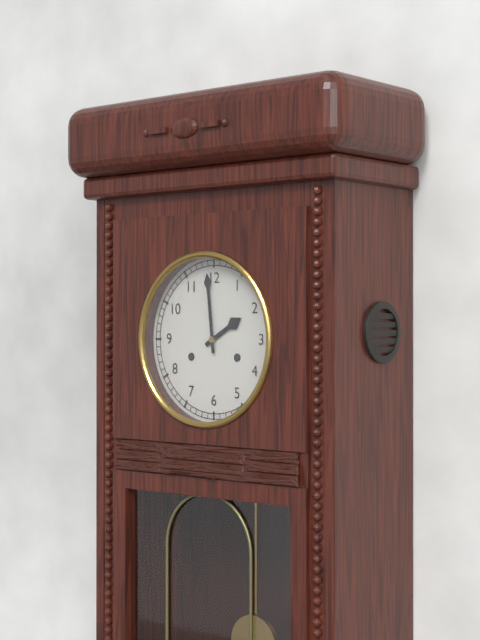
1 h 59 min
